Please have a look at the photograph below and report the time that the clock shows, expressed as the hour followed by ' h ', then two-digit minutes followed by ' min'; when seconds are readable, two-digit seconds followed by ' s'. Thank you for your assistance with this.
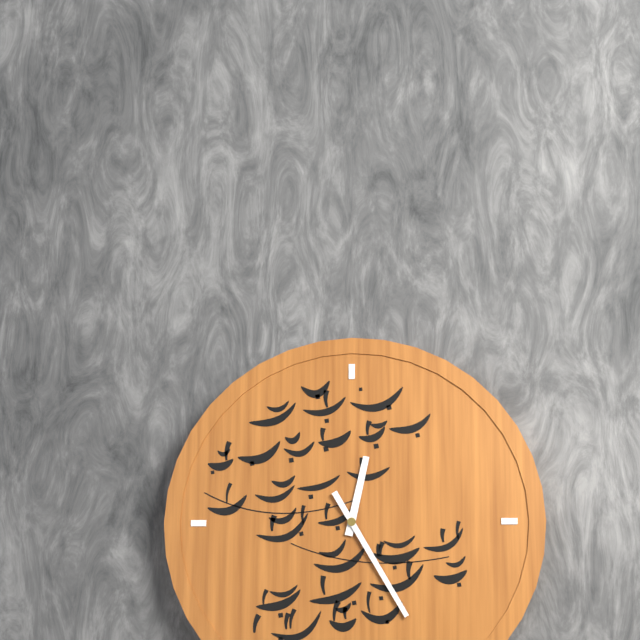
12 h 25 min
